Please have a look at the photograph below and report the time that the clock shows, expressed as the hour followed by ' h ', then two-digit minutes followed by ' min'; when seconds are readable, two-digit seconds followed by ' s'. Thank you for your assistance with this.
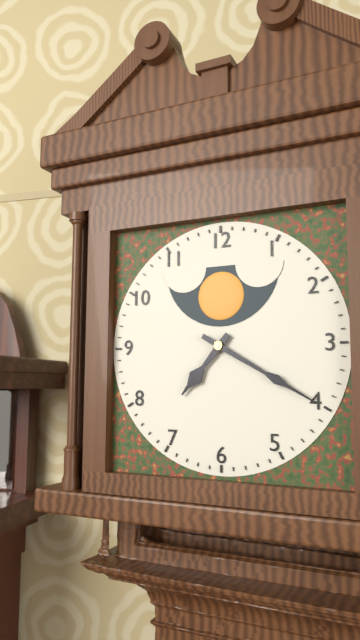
7 h 20 min
